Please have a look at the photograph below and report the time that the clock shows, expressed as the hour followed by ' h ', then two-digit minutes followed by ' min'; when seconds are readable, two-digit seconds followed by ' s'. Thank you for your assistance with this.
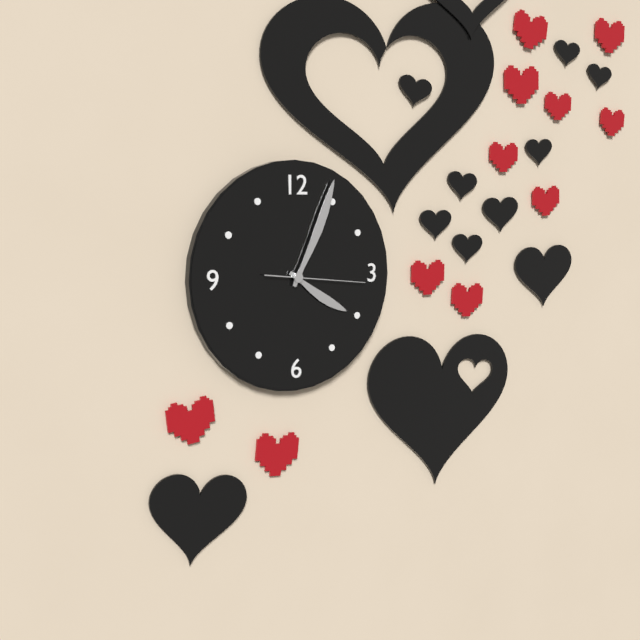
4 h 04 min 16 s
